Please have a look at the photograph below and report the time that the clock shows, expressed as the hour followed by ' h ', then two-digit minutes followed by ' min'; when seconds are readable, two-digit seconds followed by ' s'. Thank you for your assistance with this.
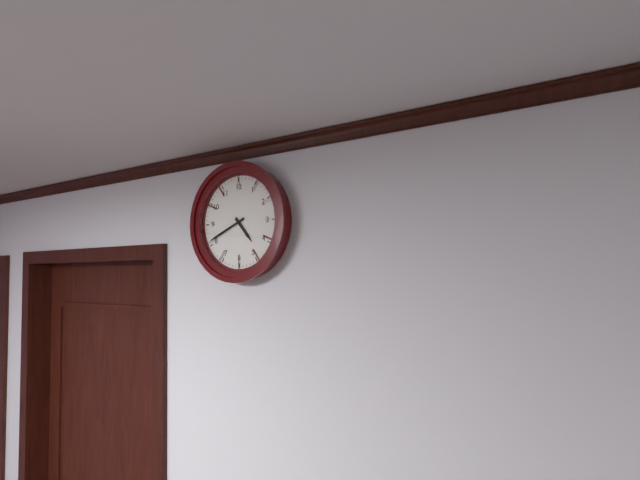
4 h 41 min
